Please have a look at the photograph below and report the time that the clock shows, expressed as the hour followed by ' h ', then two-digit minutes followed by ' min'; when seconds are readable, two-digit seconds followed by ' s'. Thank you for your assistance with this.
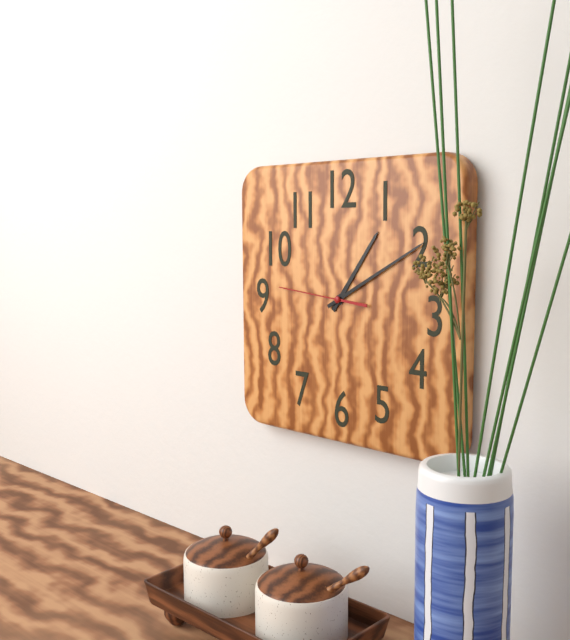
1 h 10 min 46 s
